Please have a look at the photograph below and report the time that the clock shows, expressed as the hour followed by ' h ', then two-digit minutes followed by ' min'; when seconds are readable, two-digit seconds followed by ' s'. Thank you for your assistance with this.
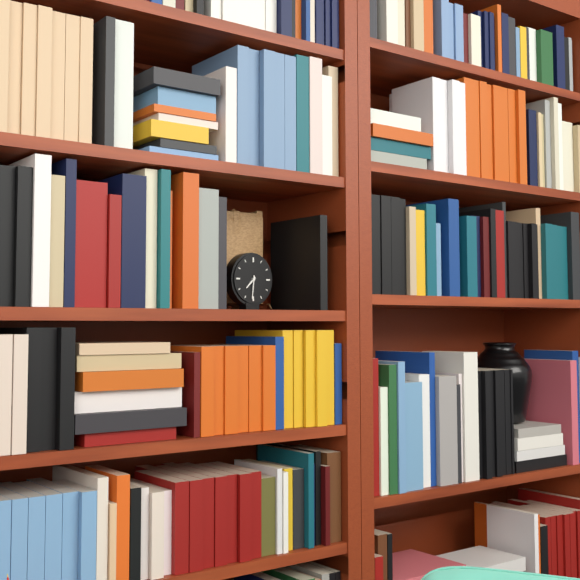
7 h 31 min
